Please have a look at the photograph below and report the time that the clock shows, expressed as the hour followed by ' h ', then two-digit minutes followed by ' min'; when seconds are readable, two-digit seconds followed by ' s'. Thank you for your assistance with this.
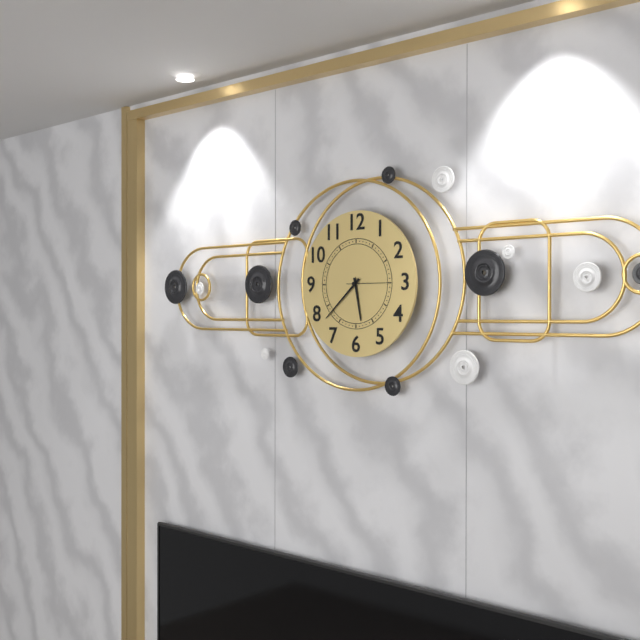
5 h 38 min
